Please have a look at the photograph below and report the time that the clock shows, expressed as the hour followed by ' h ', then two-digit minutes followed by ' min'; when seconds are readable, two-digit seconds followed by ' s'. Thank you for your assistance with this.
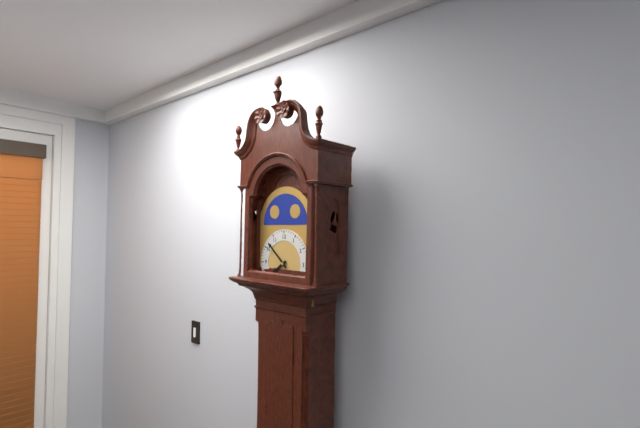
7 h 52 min
